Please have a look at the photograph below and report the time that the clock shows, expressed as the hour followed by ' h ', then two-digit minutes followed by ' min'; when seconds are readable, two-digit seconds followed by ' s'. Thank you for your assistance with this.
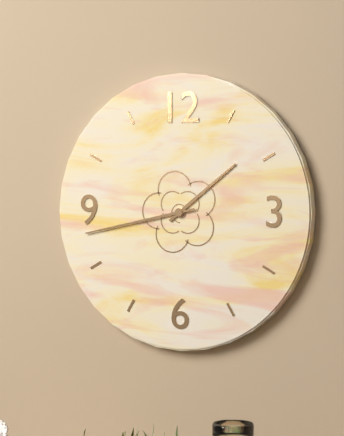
1 h 43 min
